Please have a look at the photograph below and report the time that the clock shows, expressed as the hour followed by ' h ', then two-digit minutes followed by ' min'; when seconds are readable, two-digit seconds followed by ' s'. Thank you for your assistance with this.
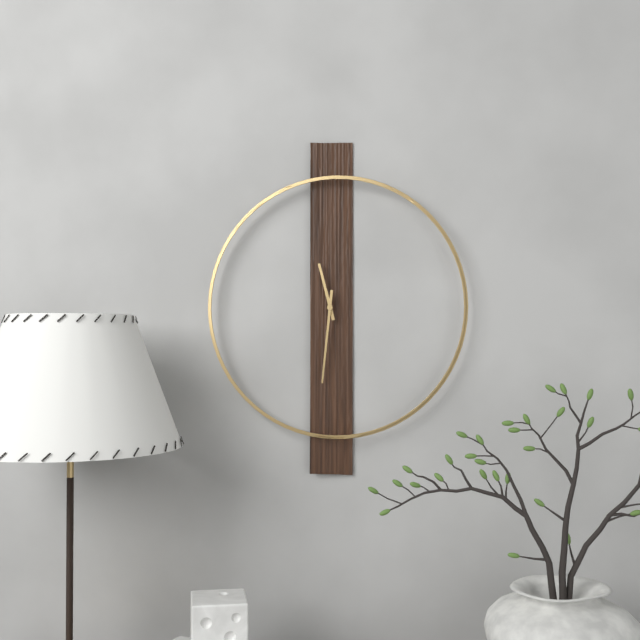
11 h 31 min
